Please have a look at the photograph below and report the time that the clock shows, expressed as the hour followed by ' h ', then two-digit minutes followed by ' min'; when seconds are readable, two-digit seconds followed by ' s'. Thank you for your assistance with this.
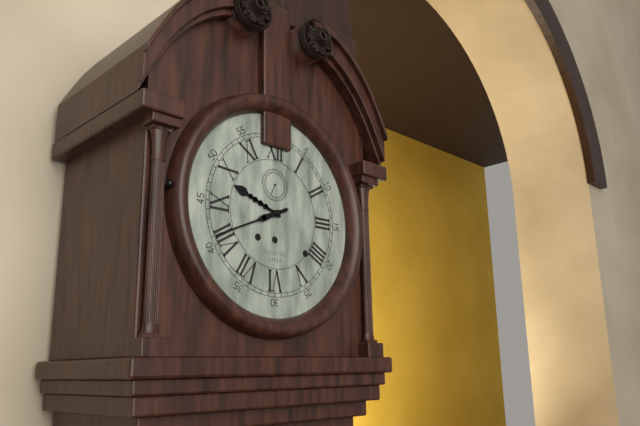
9 h 41 min
